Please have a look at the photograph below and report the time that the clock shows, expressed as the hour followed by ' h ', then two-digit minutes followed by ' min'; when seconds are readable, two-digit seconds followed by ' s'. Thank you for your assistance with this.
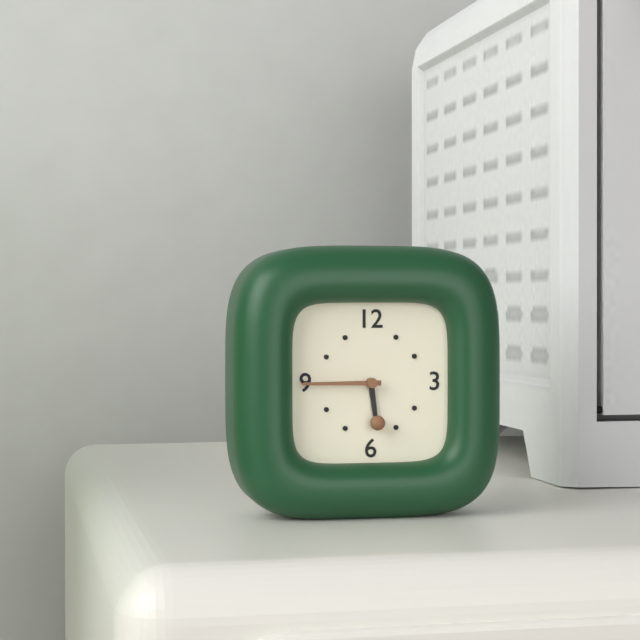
5 h 45 min
